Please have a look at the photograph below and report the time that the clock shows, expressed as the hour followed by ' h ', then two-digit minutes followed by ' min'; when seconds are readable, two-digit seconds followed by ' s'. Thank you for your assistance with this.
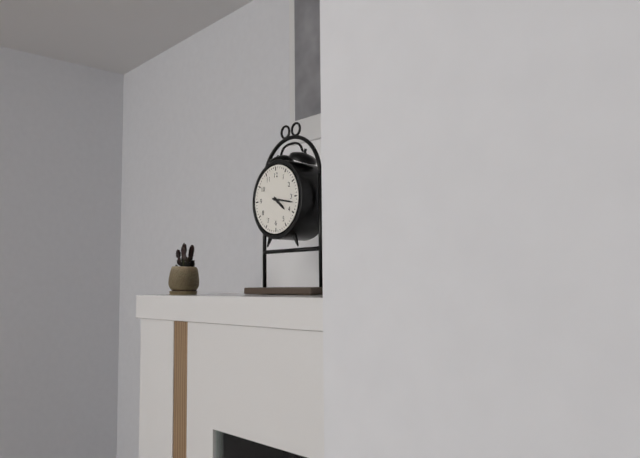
4 h 17 min
